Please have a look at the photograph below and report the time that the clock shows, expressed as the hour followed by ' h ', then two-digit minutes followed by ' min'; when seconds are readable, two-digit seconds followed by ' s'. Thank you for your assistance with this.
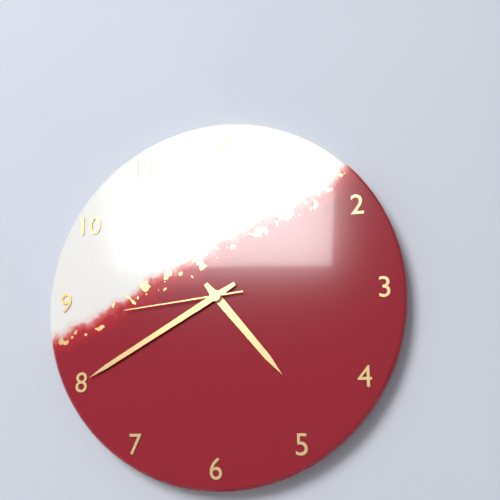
4 h 40 min 44 s
